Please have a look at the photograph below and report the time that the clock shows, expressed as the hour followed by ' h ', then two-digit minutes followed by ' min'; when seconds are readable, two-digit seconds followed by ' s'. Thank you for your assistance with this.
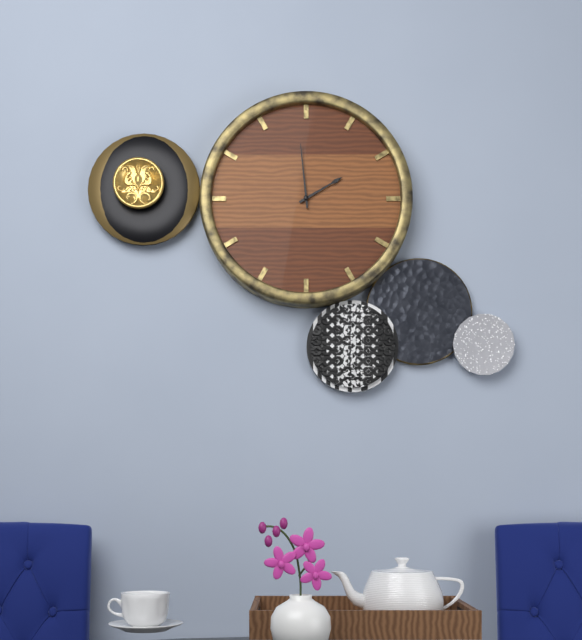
1 h 59 min
